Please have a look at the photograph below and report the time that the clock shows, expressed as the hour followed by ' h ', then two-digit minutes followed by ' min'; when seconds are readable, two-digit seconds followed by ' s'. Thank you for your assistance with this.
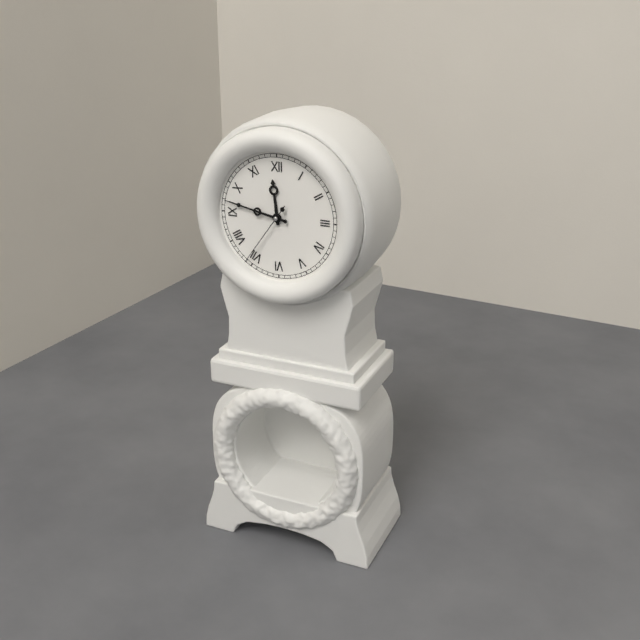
11 h 47 min 36 s
